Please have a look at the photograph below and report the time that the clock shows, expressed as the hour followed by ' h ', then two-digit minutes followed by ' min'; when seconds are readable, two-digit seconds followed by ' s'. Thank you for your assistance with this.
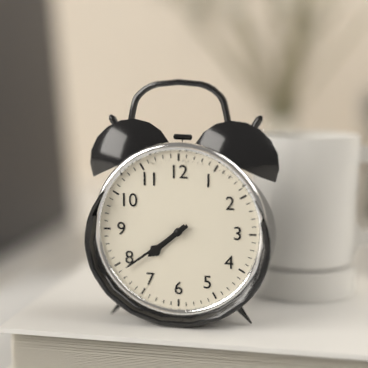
7 h 39 min
